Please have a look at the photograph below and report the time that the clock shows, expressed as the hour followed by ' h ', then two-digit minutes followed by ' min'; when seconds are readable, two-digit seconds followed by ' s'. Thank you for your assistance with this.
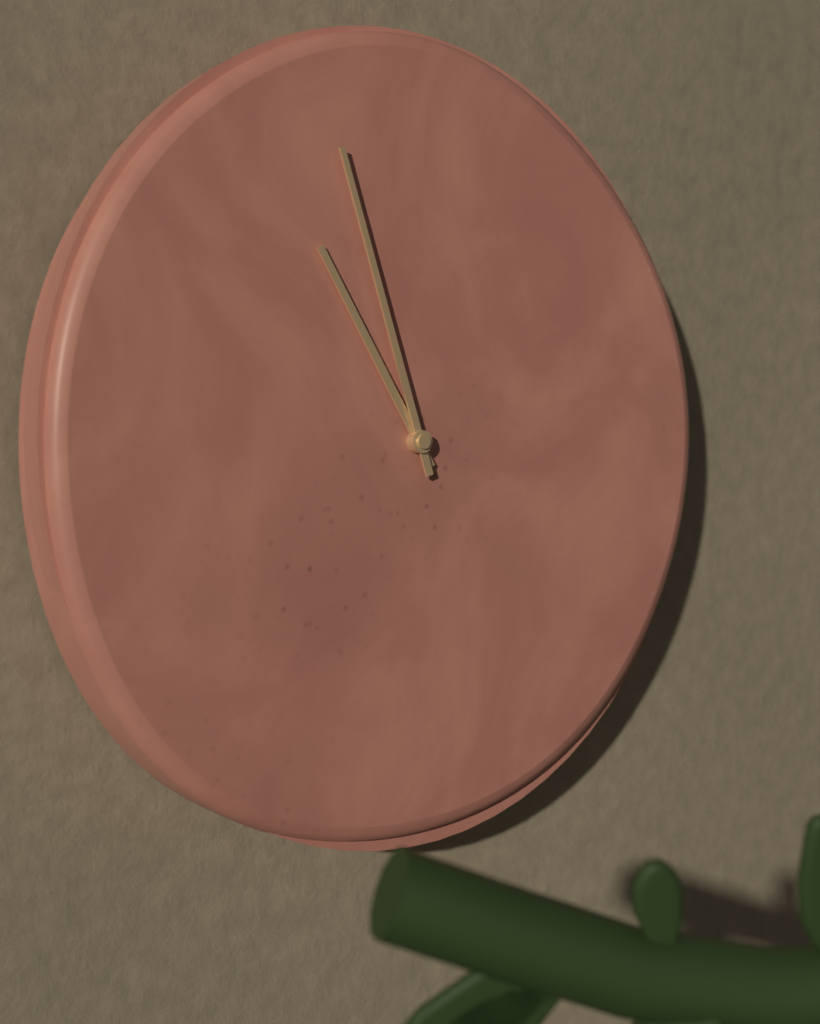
10 h 57 min
